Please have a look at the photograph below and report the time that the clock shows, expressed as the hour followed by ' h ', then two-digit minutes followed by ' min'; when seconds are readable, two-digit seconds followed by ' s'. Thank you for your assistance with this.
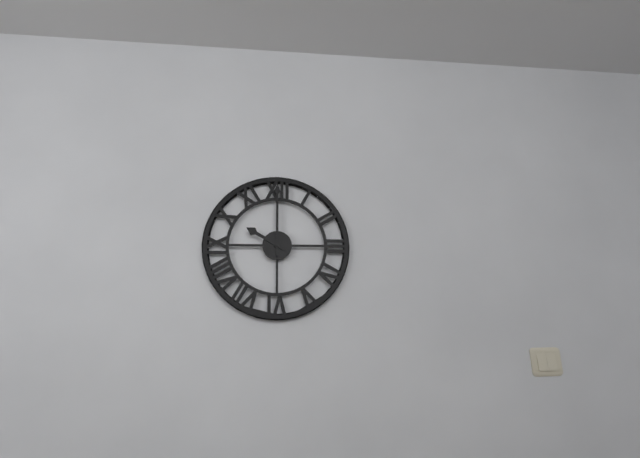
10 h 00 min
